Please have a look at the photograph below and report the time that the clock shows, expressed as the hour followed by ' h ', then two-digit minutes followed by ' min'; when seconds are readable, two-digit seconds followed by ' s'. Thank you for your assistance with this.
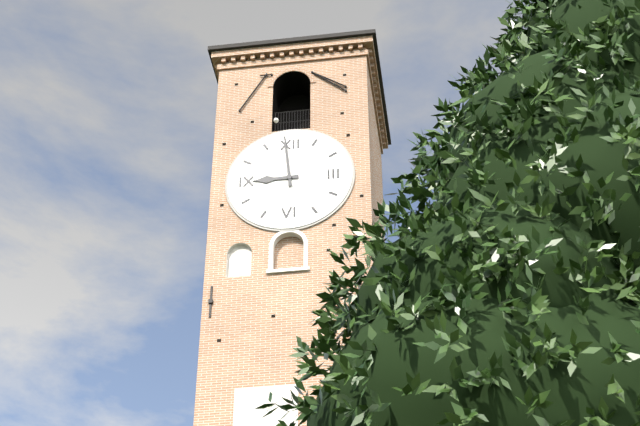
8 h 59 min
